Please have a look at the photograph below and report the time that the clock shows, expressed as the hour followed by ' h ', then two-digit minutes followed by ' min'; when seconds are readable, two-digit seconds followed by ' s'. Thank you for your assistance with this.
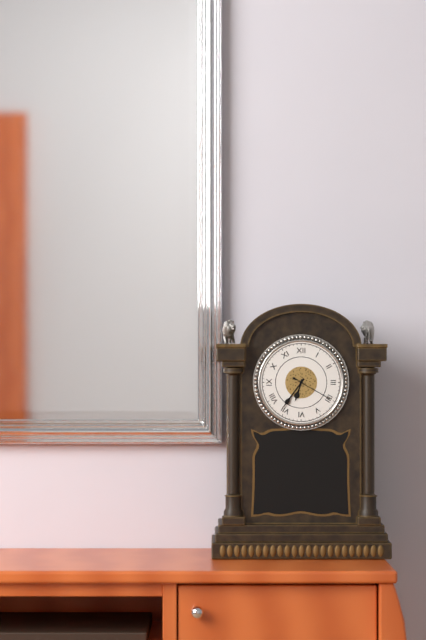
6 h 36 min
